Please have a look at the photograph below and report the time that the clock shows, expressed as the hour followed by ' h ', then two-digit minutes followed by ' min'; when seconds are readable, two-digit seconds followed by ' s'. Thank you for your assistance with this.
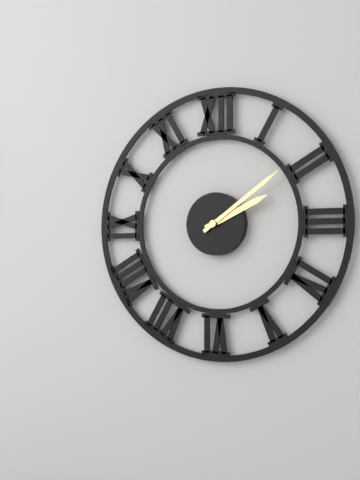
2 h 09 min
